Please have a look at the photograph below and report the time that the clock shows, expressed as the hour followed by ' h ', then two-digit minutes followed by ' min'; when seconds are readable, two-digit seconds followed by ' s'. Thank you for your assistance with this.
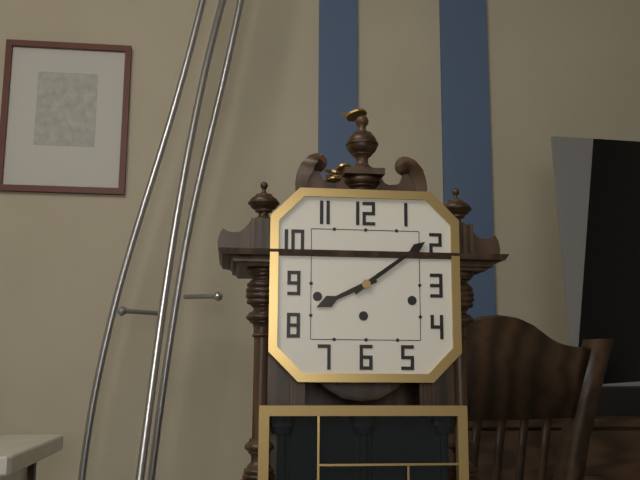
8 h 09 min
